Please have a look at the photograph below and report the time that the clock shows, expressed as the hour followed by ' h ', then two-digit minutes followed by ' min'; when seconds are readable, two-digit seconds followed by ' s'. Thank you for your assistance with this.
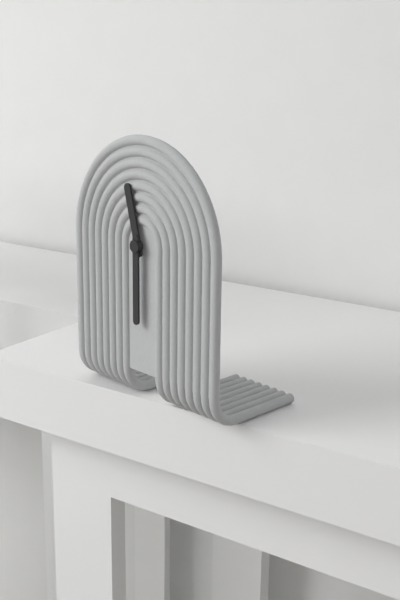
11 h 30 min
